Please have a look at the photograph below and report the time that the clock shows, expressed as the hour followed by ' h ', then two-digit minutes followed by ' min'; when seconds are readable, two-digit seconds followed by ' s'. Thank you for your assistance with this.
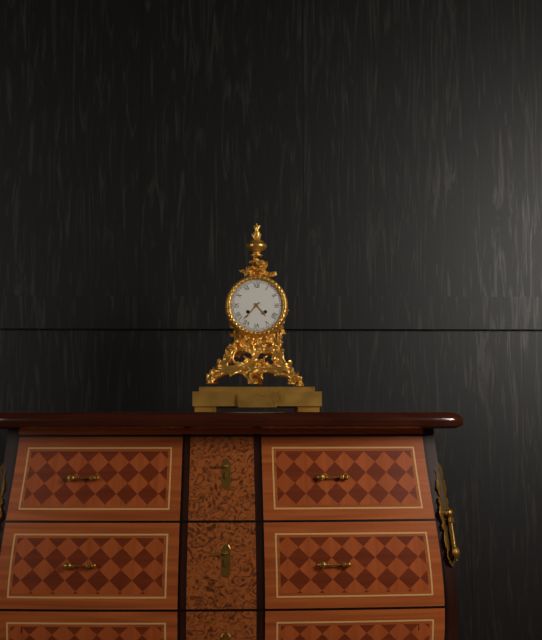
4 h 37 min
